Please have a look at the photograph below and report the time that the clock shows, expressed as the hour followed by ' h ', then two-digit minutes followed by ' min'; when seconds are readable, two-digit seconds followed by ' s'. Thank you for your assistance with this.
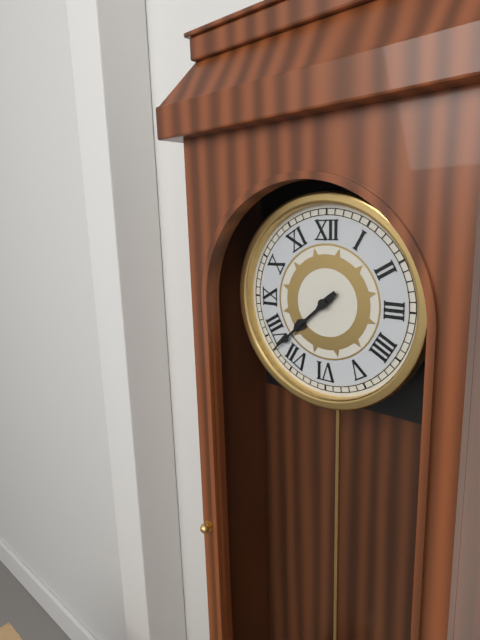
7 h 38 min
